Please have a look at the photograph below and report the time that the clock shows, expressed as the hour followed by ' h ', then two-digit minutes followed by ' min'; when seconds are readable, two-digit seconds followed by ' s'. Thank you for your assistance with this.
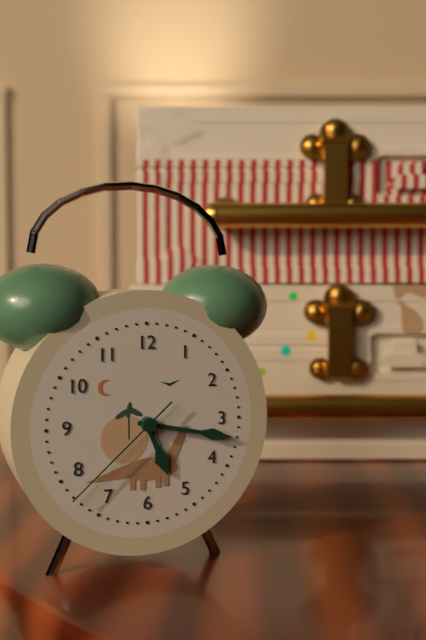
5 h 17 min 38 s
